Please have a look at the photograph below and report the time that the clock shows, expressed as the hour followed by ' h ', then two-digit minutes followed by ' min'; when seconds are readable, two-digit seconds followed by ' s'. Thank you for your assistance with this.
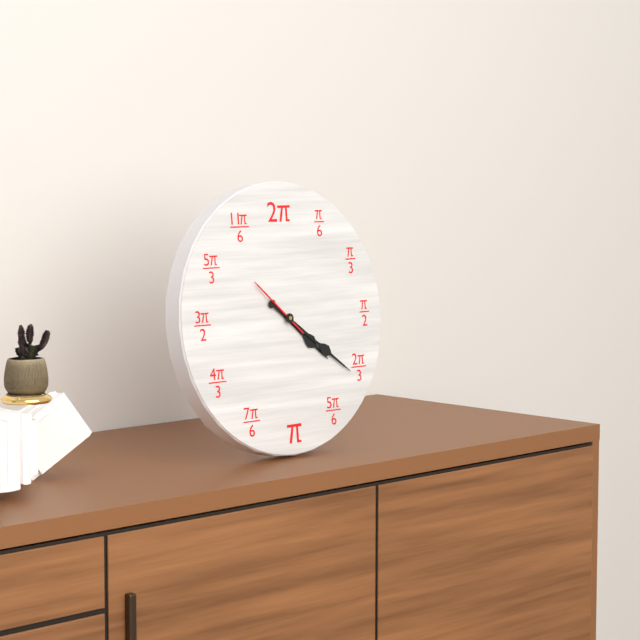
4 h 21 min 52 s
